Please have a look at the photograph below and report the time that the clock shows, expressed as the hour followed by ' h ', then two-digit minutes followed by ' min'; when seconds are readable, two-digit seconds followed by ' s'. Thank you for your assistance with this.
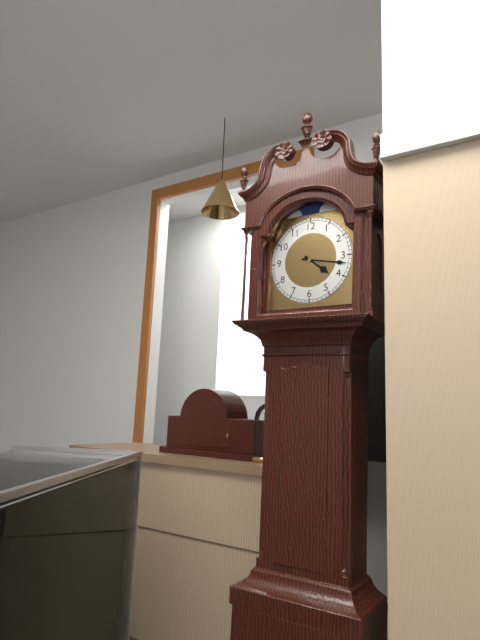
4 h 17 min
